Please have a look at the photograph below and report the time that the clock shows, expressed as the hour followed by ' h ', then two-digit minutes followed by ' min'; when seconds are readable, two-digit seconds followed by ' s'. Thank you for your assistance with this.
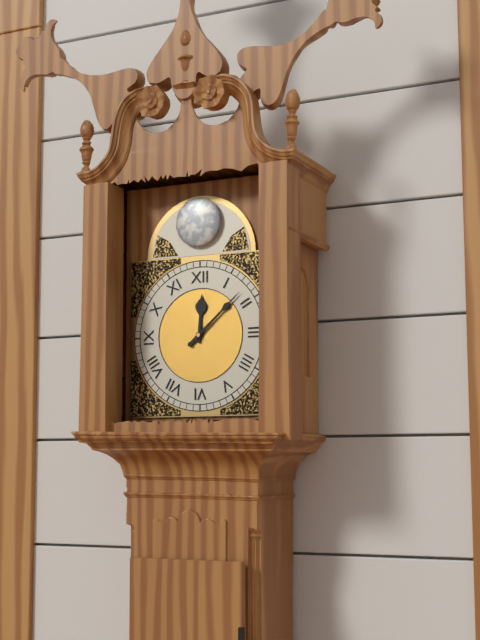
12 h 08 min
